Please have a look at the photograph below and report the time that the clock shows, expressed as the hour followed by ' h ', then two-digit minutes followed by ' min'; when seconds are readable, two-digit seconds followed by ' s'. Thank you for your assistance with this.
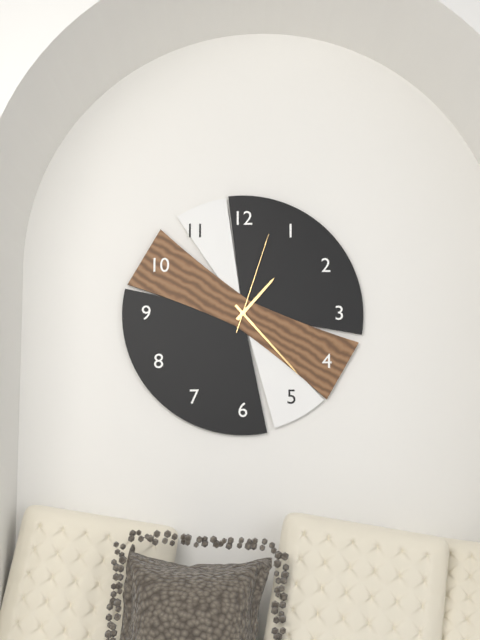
1 h 23 min 03 s
